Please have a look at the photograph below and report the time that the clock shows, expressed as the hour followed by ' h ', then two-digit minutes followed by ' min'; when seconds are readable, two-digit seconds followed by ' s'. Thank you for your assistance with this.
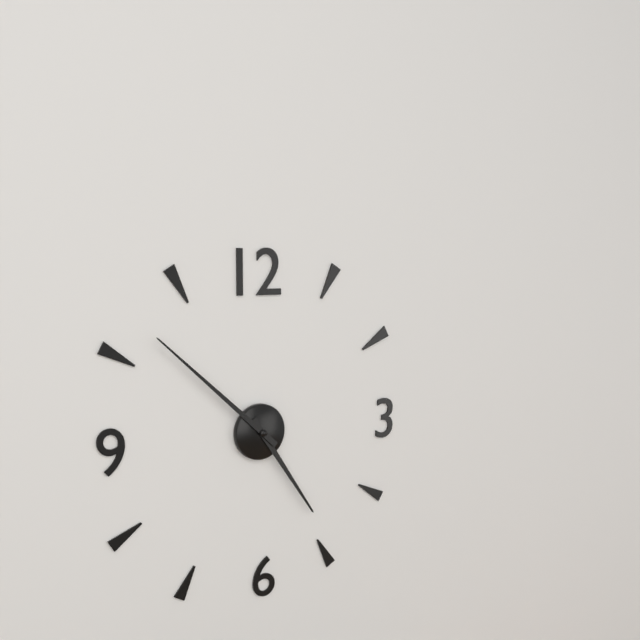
4 h 52 min
